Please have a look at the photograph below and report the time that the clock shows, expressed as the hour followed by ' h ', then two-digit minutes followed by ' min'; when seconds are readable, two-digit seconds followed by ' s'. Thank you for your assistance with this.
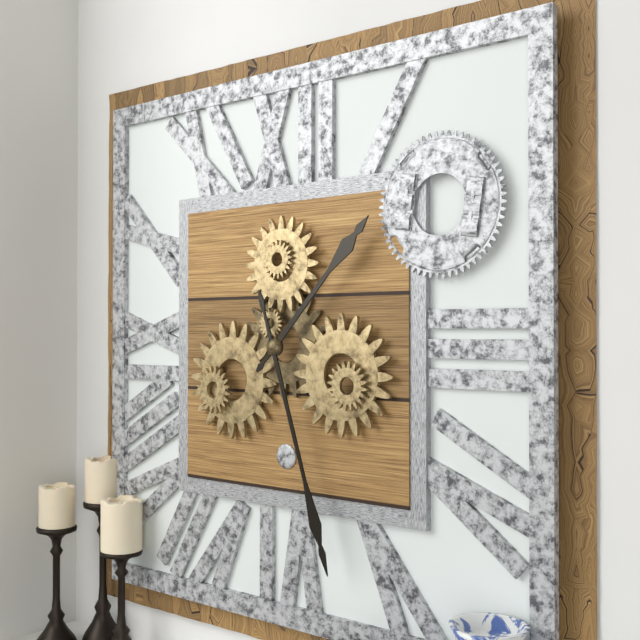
1 h 27 min
